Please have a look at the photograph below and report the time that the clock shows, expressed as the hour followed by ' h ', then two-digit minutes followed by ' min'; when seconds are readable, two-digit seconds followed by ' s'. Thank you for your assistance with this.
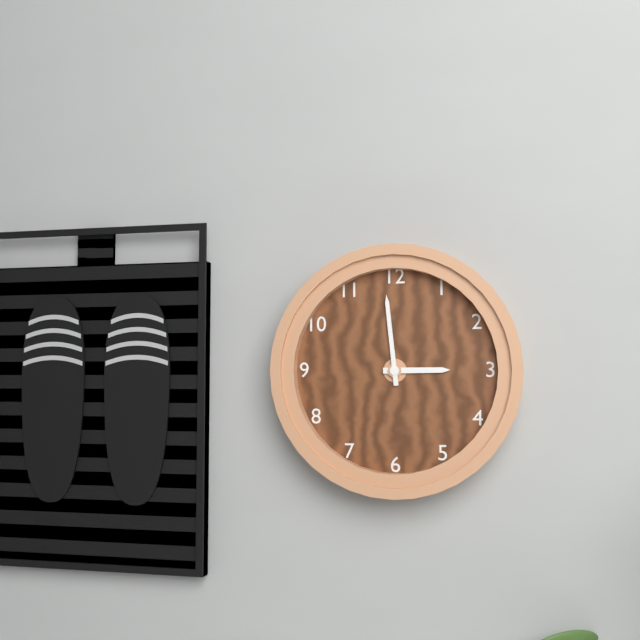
2 h 59 min
